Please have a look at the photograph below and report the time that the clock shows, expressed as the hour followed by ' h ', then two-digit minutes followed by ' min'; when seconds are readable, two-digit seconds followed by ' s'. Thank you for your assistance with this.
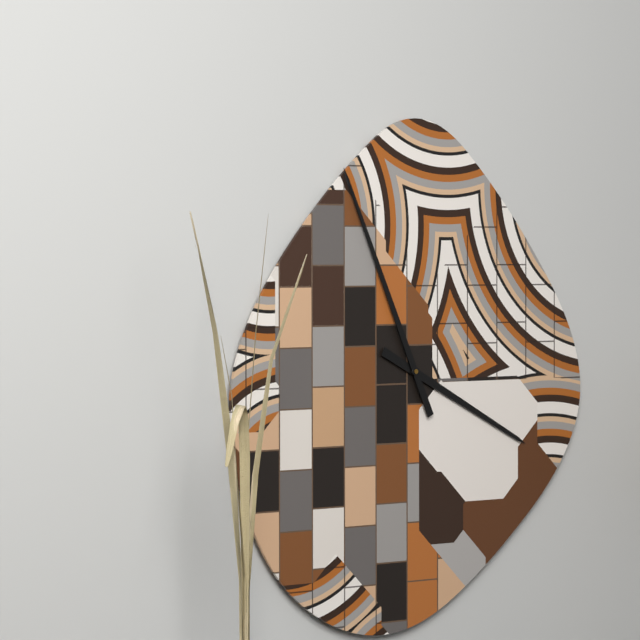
3 h 56 min
